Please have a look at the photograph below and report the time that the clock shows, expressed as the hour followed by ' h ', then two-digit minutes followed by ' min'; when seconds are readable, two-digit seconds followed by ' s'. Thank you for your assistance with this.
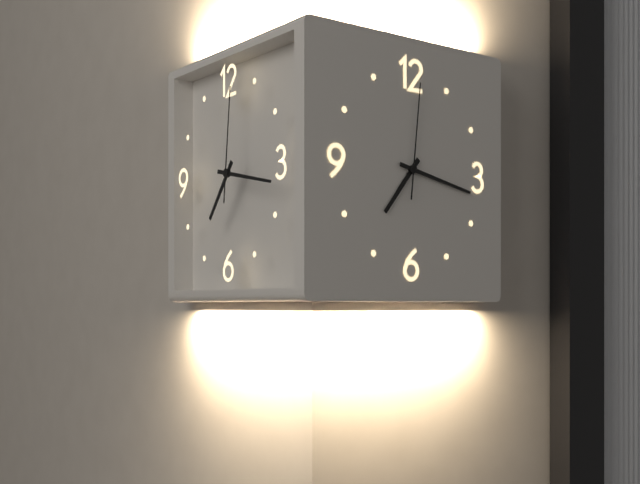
7 h 17 min 01 s
